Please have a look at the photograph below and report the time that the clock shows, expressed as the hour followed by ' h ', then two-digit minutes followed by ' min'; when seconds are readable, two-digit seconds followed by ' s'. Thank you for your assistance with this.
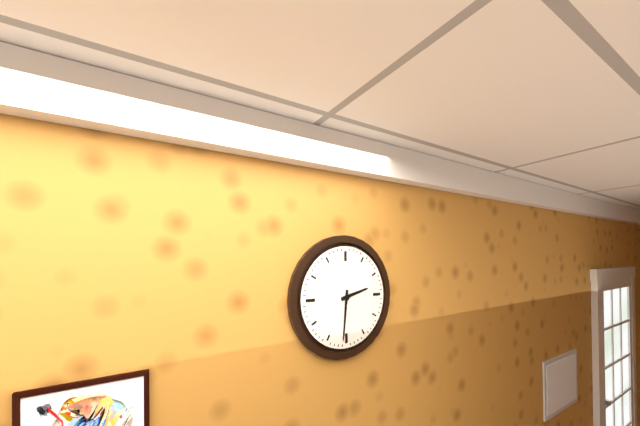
2 h 31 min
